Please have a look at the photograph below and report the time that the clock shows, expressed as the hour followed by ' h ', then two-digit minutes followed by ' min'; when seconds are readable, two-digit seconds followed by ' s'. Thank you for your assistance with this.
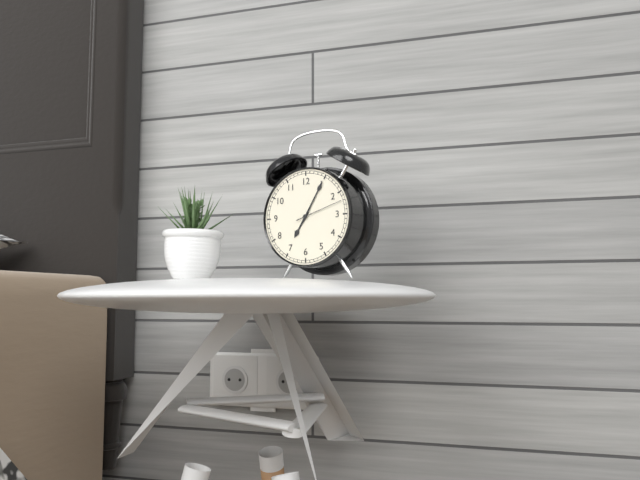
7 h 05 min
